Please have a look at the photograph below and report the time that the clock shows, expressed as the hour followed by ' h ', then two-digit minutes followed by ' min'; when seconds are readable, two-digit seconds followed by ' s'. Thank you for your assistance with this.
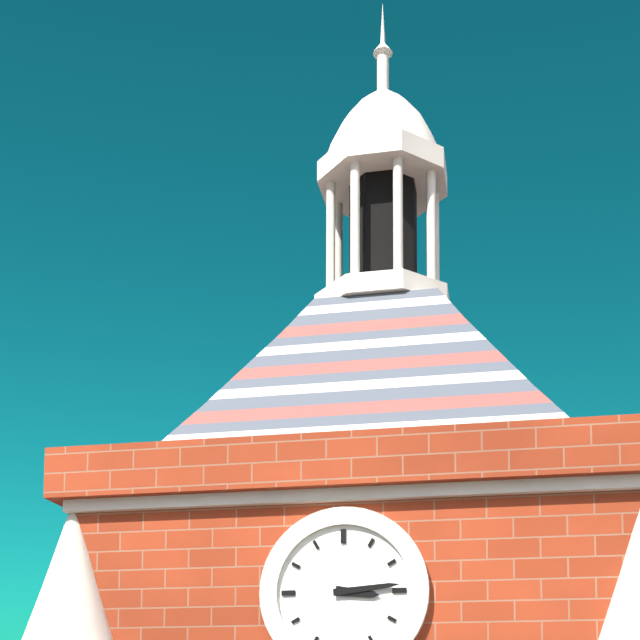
3 h 14 min
